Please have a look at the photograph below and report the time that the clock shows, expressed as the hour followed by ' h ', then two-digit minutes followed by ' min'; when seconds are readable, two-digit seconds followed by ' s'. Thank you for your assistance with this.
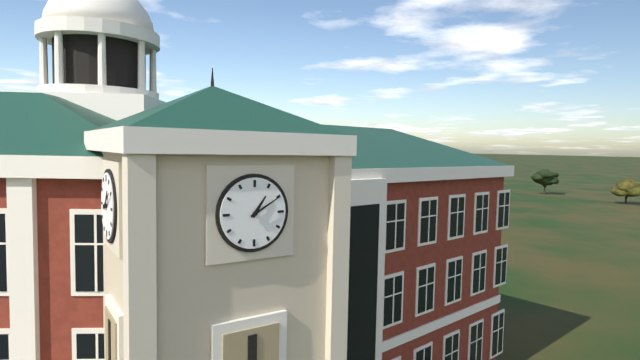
1 h 10 min
